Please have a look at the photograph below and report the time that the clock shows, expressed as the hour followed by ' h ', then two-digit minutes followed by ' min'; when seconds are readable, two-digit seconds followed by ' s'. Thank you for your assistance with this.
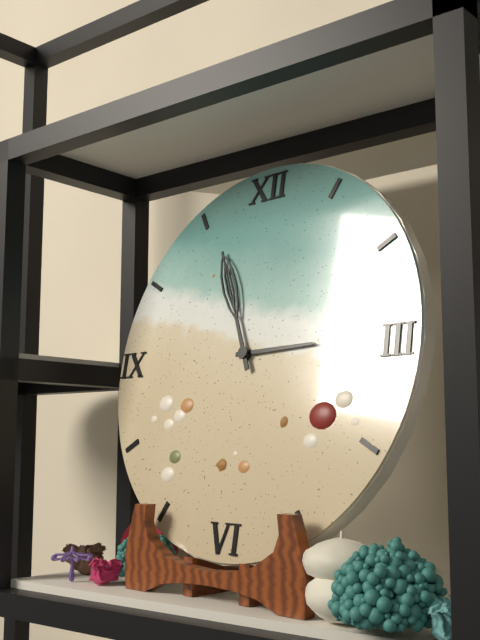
2 h 56 min
